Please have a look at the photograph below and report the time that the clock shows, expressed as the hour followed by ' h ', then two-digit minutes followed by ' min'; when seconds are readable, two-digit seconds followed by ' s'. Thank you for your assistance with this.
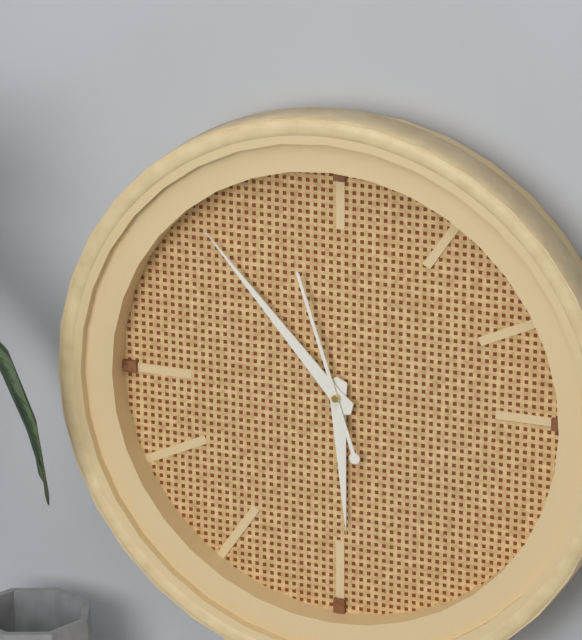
5 h 53 min 57 s
